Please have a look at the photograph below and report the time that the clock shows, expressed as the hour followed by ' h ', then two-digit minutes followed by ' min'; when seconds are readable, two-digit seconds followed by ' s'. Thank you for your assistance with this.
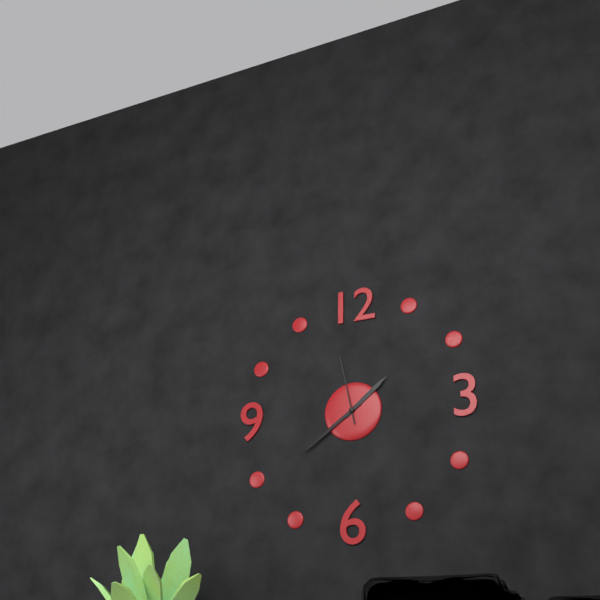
1 h 39 min 58 s
